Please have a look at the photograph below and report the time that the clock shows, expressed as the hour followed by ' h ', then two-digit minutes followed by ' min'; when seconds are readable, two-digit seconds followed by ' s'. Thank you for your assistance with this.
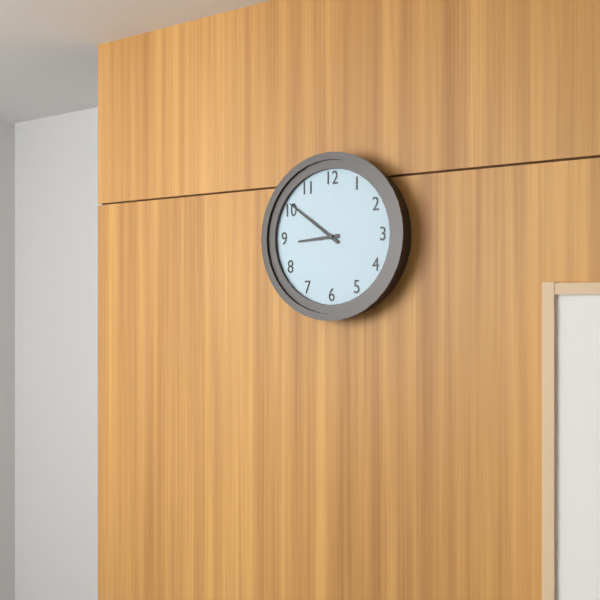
8 h 51 min
